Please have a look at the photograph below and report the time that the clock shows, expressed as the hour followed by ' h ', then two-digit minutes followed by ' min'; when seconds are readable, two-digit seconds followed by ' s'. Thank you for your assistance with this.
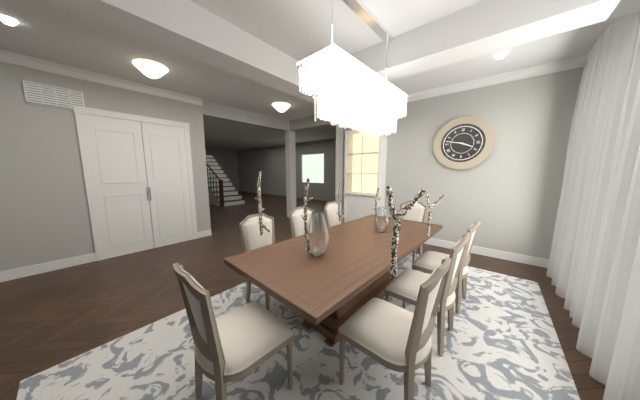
3 h 47 min
